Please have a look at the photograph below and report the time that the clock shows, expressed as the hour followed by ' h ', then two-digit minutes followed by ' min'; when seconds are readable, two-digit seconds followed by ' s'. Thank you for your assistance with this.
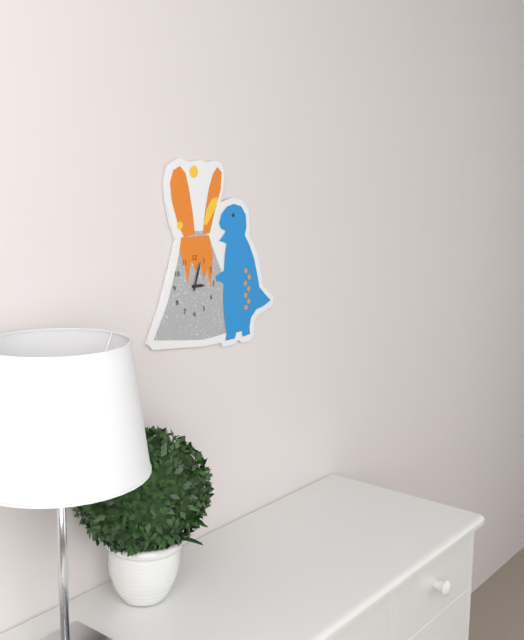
3 h 03 min
